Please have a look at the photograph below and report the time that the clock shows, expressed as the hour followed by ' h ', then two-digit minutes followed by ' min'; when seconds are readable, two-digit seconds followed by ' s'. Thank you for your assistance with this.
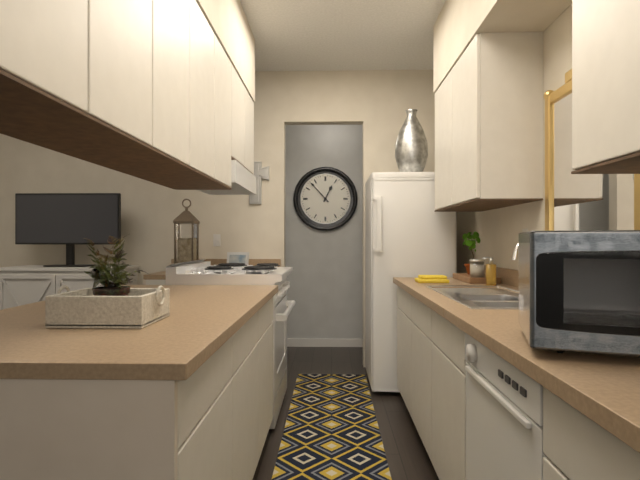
12 h 53 min
